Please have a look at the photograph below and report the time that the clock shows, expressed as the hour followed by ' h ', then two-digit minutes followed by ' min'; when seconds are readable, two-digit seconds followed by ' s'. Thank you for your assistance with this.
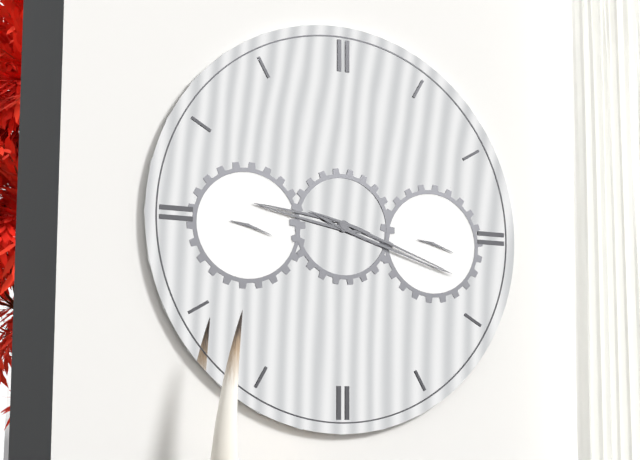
9 h 18 min
